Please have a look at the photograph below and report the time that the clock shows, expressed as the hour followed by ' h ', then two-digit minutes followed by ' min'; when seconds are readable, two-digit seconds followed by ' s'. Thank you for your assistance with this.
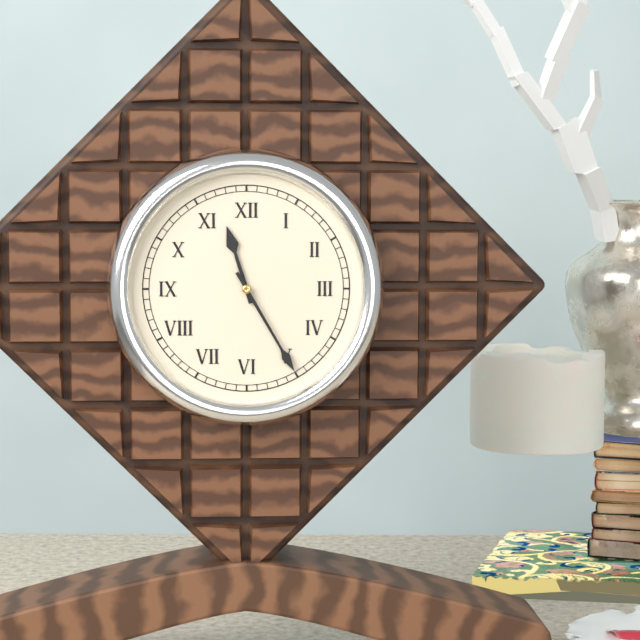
11 h 25 min
